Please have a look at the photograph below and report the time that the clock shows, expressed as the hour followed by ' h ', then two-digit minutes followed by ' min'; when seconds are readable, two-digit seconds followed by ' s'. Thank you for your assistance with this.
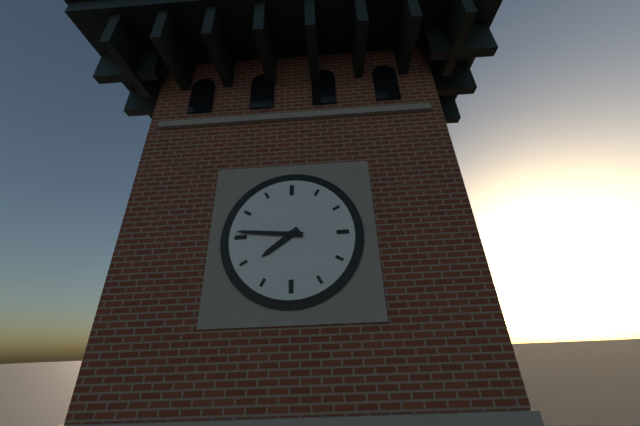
7 h 46 min
